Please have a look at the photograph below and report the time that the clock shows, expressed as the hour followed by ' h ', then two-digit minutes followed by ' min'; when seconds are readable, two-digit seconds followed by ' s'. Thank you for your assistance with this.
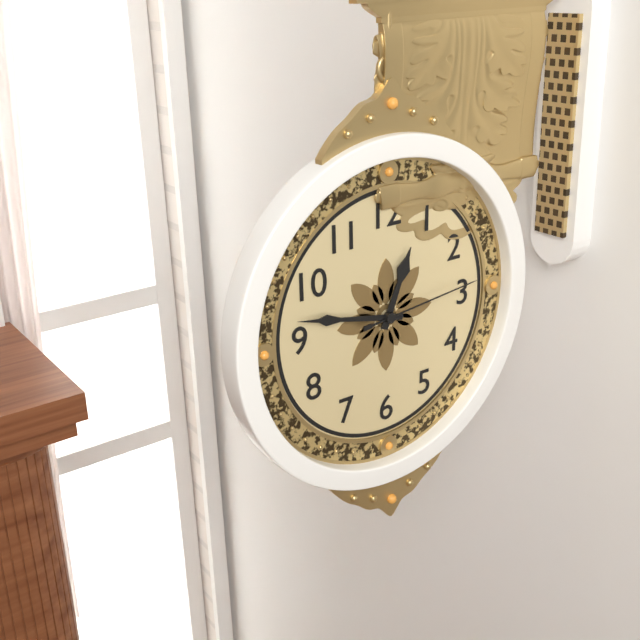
12 h 47 min 14 s
